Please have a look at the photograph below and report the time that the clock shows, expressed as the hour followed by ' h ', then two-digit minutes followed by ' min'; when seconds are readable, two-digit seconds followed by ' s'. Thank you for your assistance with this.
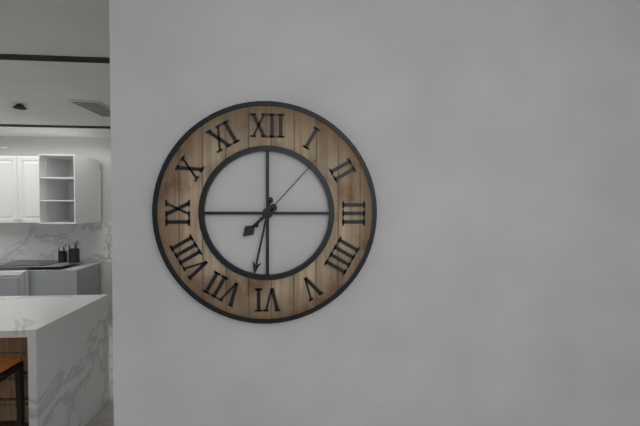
7 h 32 min 07 s
